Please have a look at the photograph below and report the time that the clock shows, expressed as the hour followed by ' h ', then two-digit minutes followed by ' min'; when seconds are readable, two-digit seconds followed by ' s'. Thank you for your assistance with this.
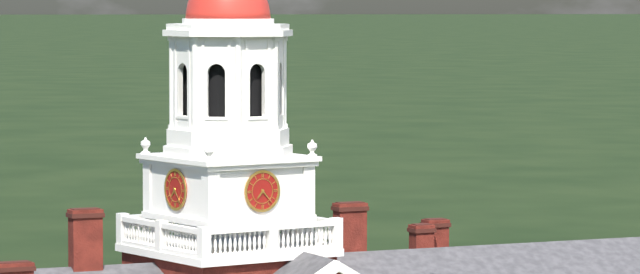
7 h 23 min
